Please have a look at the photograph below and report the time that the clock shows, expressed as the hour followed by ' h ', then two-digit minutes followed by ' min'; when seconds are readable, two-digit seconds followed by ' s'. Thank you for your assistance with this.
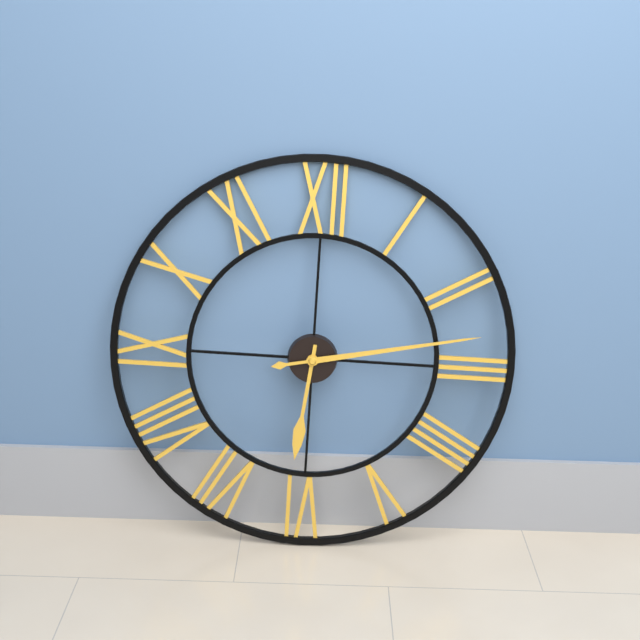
6 h 13 min
